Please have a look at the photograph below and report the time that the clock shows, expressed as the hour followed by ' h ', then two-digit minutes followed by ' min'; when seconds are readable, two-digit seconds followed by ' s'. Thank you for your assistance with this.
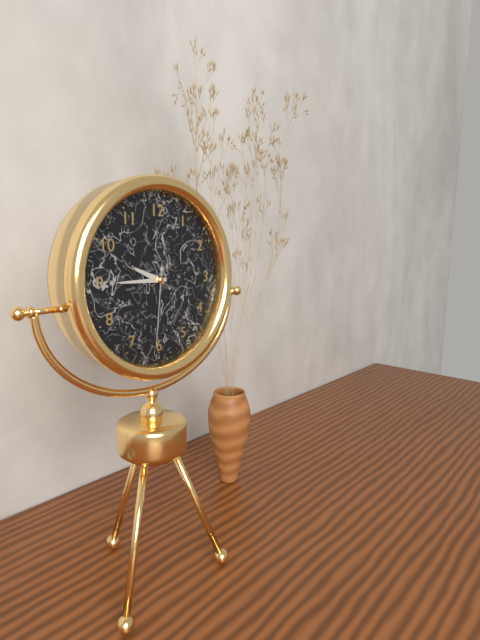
9 h 45 min 31 s
